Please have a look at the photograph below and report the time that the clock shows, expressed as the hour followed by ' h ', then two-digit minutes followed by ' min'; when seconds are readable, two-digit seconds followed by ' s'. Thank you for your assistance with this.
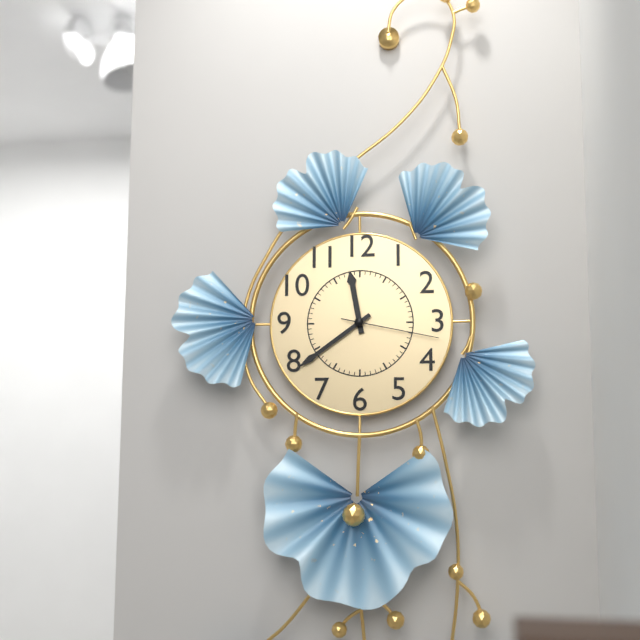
11 h 39 min 17 s
